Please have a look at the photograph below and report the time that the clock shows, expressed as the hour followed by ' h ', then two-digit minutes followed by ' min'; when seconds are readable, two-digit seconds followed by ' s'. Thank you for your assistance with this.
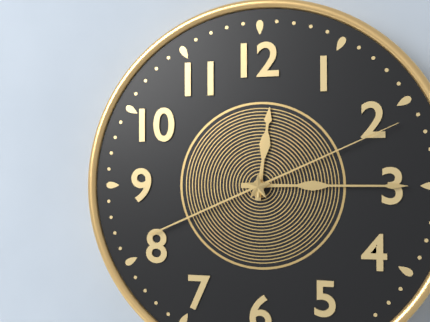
12 h 15 min 11 s
